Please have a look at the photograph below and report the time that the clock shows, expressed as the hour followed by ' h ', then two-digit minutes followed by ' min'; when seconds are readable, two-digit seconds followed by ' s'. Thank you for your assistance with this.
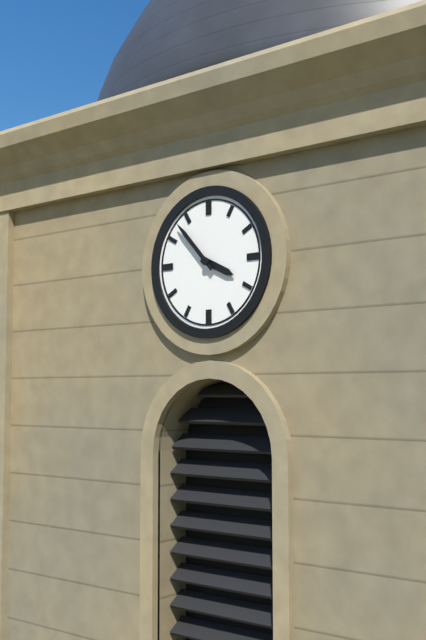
3 h 53 min
